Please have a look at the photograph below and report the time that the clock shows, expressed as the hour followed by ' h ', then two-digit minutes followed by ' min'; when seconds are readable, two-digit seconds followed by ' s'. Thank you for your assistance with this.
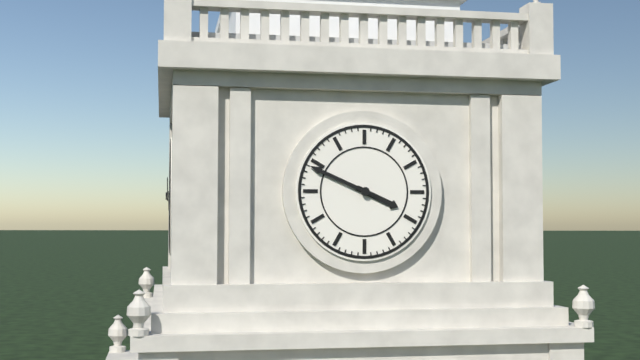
3 h 49 min
